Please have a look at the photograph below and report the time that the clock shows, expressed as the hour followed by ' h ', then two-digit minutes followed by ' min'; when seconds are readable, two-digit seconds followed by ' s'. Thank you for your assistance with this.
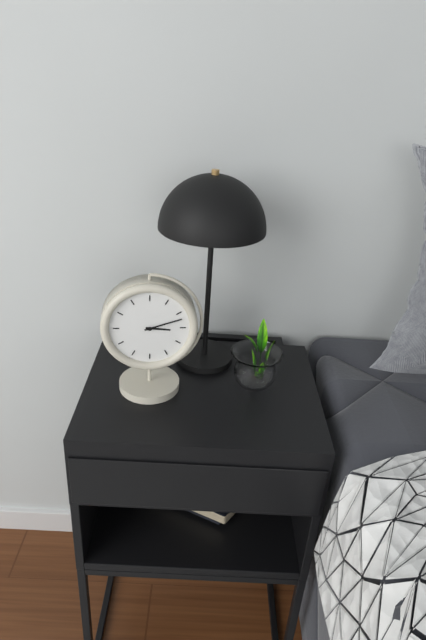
3 h 12 min
